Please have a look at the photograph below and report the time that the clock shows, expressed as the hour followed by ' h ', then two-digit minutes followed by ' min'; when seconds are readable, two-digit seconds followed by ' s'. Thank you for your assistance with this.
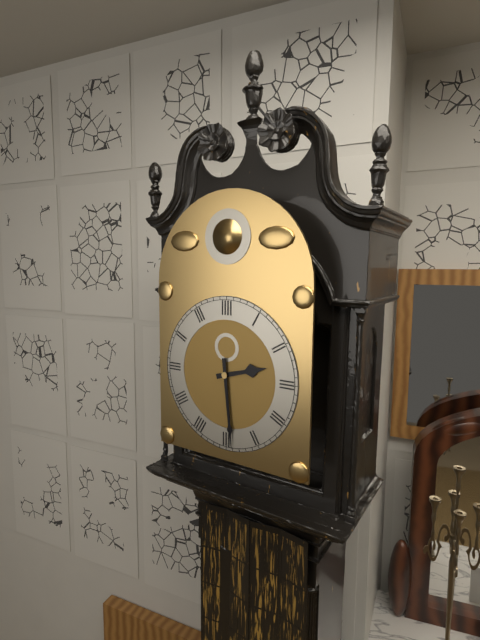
2 h 29 min
